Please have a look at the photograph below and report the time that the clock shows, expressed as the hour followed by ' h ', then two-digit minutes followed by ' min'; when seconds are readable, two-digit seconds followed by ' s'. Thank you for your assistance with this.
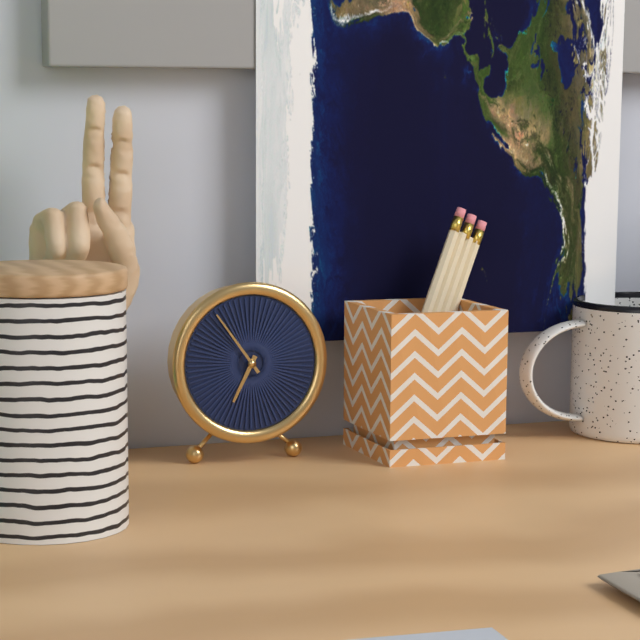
6 h 54 min
